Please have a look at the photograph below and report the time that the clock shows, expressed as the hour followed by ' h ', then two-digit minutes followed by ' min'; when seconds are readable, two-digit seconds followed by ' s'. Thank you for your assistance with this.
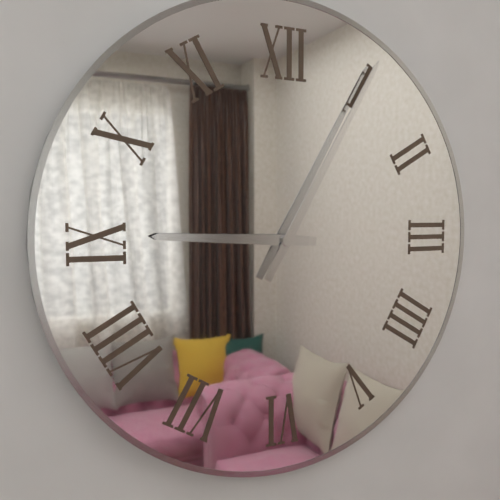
9 h 05 min
